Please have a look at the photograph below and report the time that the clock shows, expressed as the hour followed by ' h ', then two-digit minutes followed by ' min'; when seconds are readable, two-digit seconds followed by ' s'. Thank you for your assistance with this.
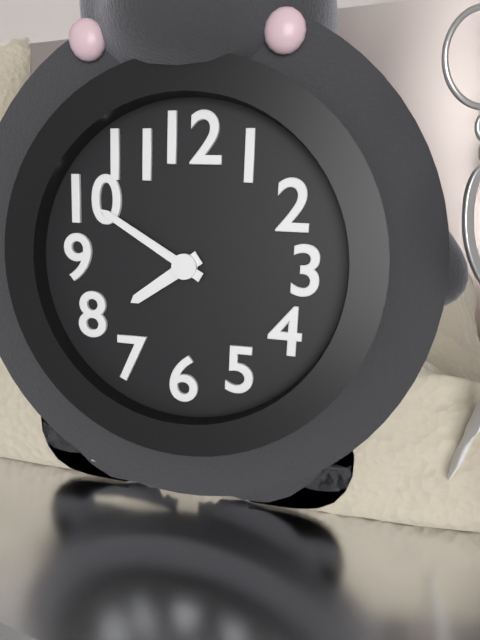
7 h 50 min
